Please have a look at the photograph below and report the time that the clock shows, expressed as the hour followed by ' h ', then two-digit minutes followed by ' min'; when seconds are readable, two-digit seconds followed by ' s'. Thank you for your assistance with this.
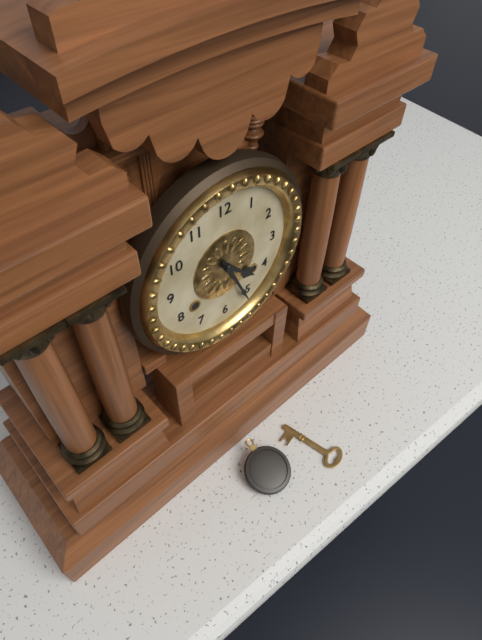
4 h 26 min
